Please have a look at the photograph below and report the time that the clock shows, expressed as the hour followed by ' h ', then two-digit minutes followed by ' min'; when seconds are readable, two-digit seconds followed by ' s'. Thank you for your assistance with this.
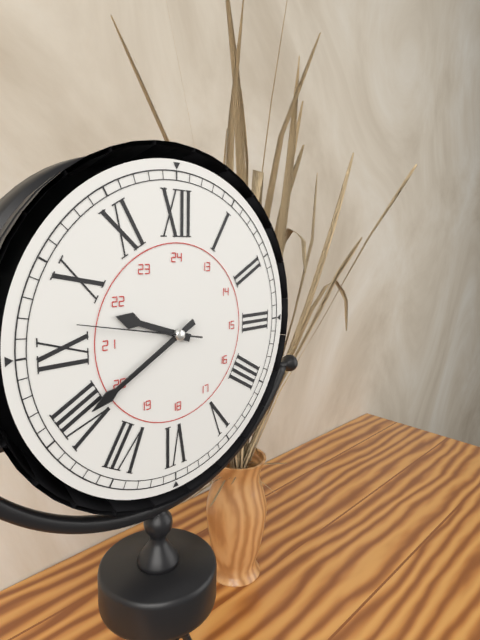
9 h 40 min 47 s
